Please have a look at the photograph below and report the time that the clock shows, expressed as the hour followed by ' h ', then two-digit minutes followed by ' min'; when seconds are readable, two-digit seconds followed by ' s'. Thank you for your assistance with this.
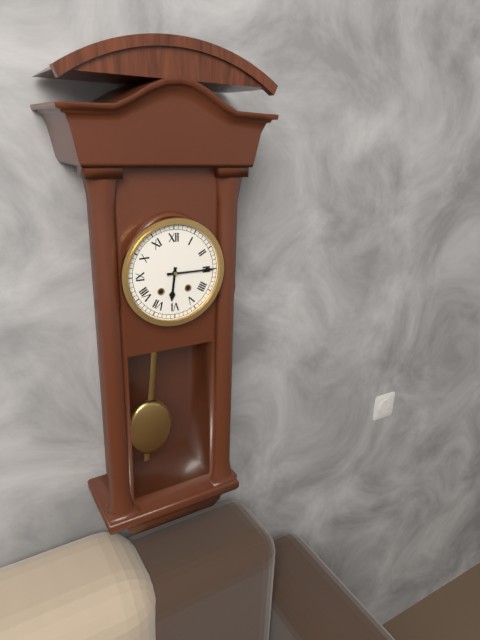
6 h 15 min
